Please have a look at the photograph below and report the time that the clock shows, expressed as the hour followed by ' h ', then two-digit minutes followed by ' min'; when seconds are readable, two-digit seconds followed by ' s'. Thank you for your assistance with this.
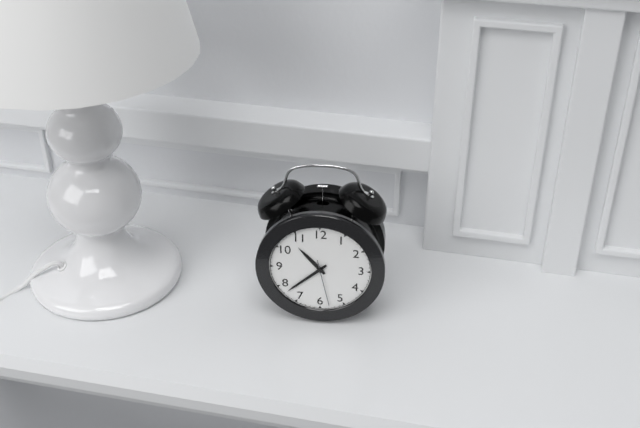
10 h 38 min
